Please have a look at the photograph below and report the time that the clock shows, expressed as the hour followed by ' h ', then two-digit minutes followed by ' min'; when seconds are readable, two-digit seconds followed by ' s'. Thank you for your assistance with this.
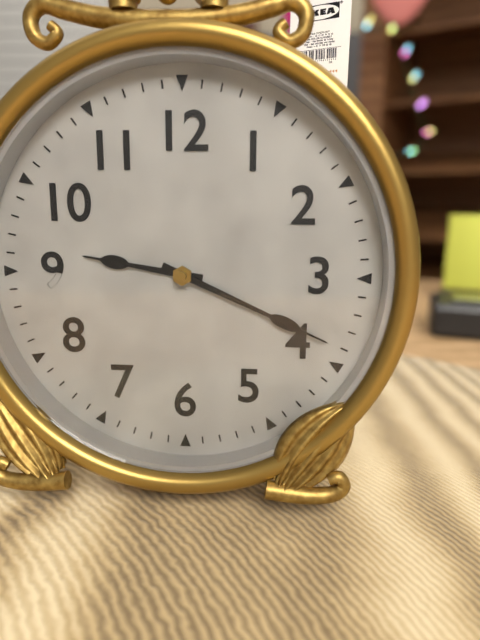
9 h 19 min
